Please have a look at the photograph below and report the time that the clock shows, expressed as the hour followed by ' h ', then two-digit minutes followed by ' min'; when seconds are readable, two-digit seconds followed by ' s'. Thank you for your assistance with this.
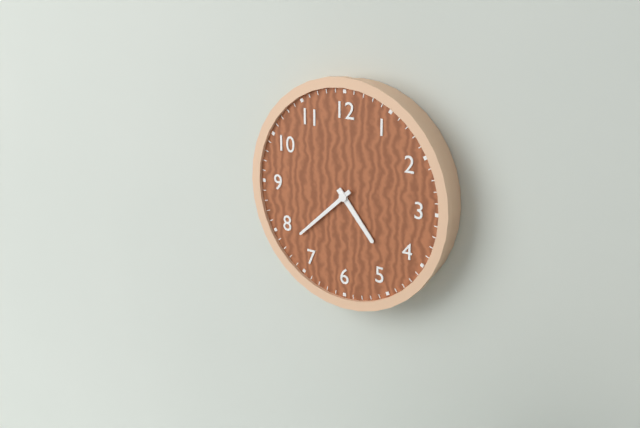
4 h 38 min
